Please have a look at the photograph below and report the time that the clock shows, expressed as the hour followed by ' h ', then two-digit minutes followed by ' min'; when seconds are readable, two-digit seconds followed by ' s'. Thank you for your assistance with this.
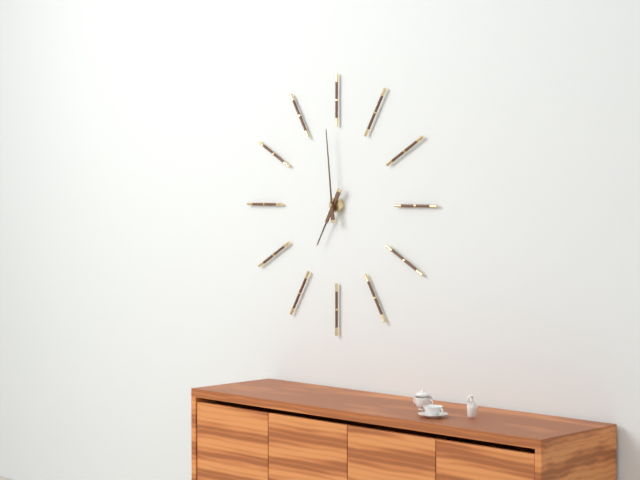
6 h 59 min
